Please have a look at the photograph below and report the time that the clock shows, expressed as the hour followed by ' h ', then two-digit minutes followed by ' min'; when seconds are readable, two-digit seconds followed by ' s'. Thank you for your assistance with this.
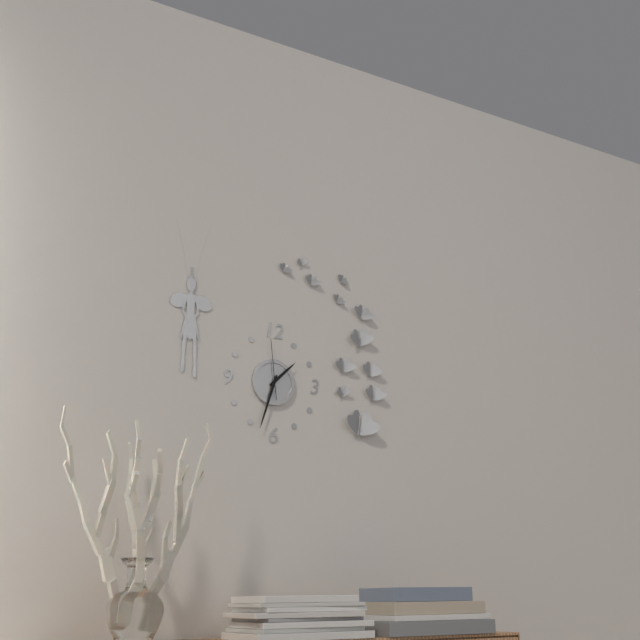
1 h 33 min 59 s
